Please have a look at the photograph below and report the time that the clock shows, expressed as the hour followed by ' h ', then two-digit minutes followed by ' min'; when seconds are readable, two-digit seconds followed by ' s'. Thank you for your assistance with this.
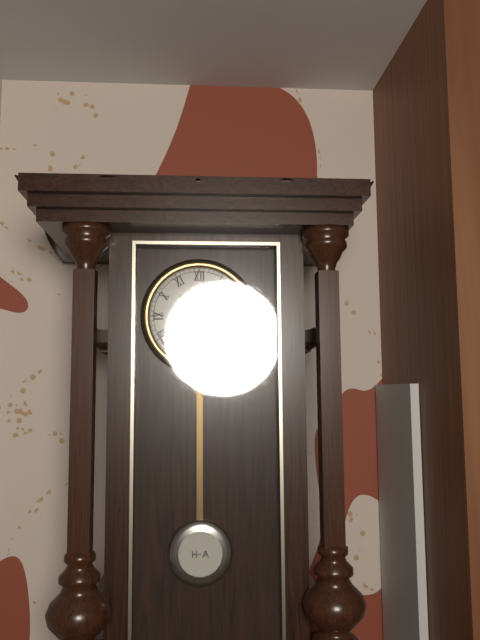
6 h 20 min
